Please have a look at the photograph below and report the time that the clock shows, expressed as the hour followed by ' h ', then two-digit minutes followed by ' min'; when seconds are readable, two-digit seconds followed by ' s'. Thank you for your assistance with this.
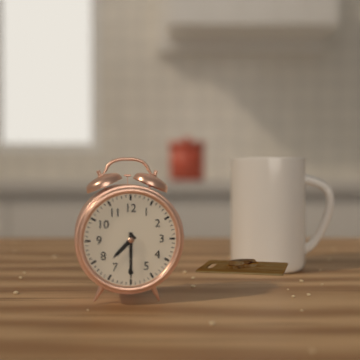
7 h 30 min
